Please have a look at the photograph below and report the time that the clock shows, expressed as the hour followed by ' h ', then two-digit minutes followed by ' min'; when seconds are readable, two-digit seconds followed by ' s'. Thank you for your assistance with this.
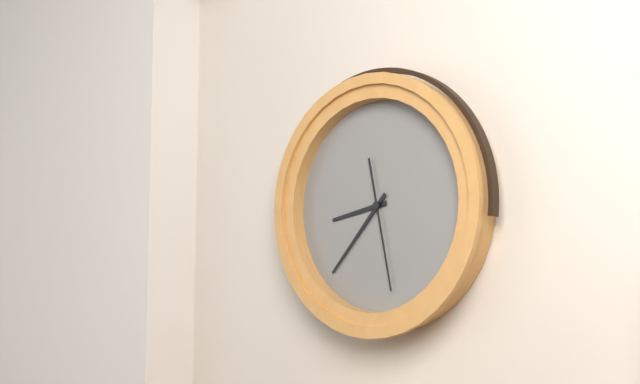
8 h 37 min 28 s
